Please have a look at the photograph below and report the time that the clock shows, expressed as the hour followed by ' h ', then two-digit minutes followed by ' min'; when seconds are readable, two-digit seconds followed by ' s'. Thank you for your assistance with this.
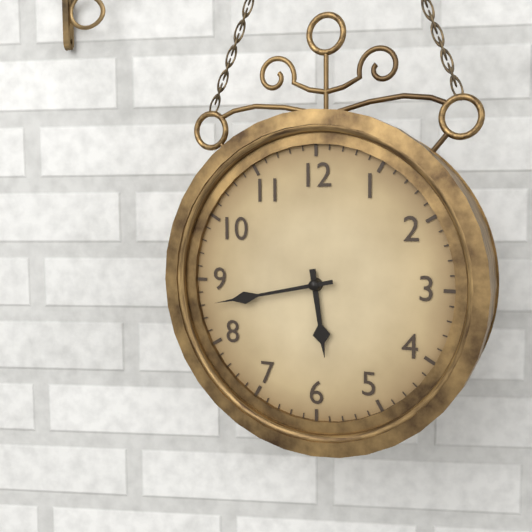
5 h 43 min
